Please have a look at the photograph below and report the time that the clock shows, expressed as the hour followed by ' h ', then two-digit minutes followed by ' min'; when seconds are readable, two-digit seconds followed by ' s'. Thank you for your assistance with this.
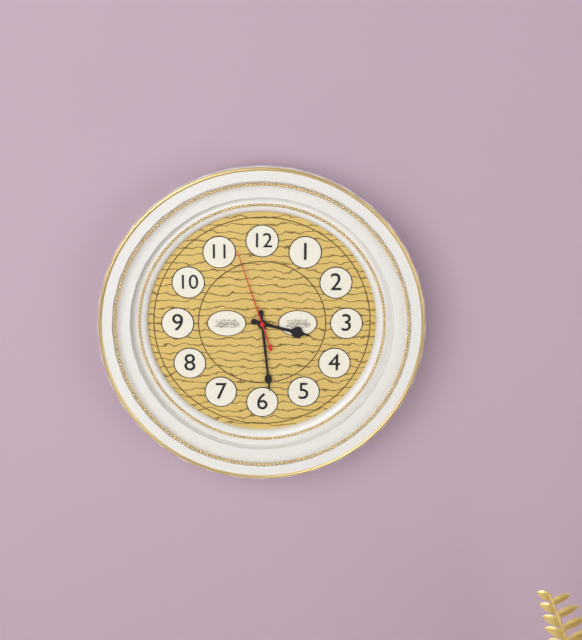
3 h 29 min 57 s
